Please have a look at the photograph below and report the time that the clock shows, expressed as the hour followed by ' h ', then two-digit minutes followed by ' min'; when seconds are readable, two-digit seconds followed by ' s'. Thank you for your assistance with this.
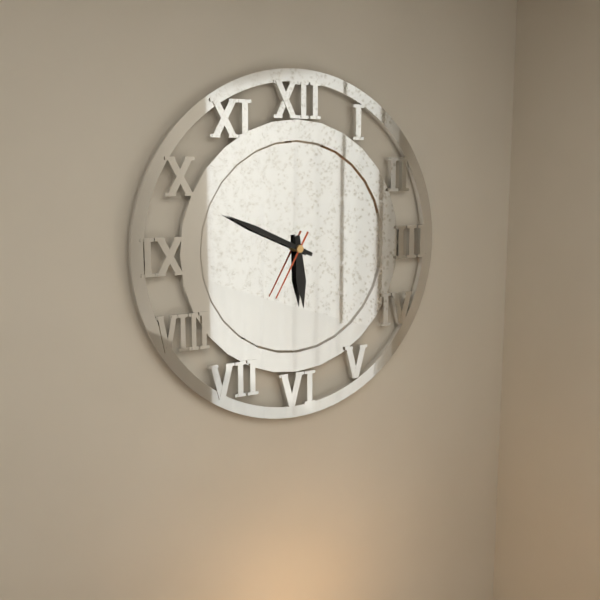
5 h 49 min 35 s
